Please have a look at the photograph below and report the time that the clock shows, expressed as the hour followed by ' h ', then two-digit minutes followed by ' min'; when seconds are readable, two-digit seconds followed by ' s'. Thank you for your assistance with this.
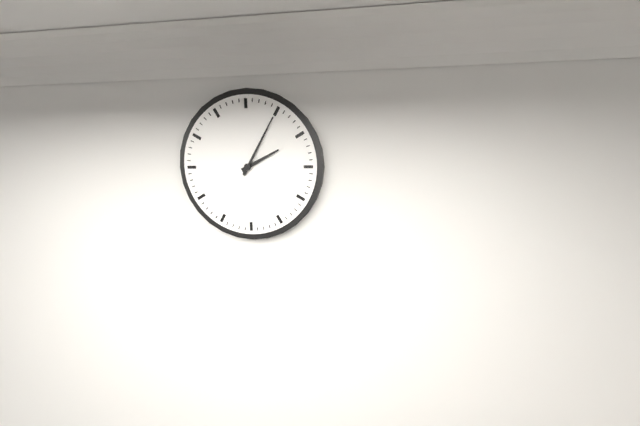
2 h 05 min
